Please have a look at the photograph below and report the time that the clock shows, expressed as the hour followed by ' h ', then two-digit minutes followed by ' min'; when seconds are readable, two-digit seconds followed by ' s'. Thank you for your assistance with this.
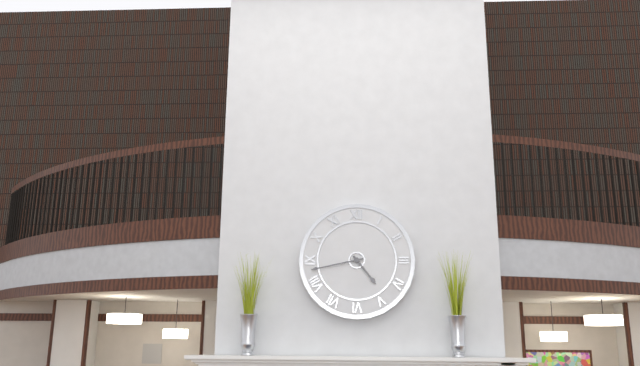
4 h 43 min
